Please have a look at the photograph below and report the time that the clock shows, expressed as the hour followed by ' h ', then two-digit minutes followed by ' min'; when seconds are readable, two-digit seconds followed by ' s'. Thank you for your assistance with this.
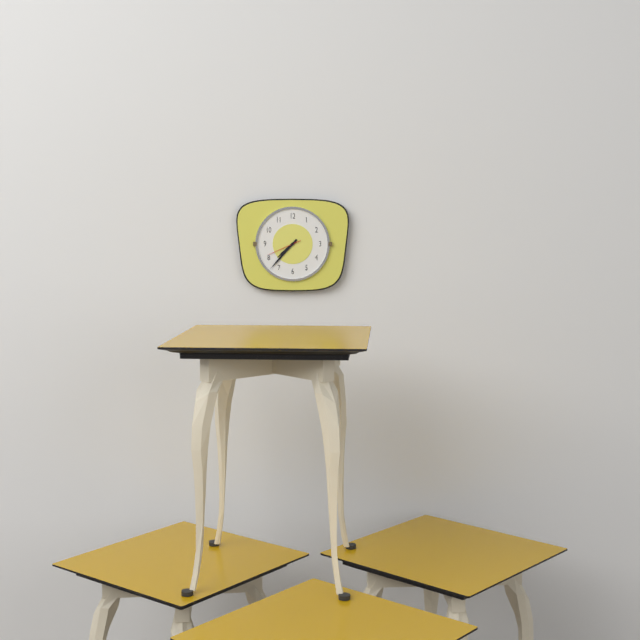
7 h 37 min
